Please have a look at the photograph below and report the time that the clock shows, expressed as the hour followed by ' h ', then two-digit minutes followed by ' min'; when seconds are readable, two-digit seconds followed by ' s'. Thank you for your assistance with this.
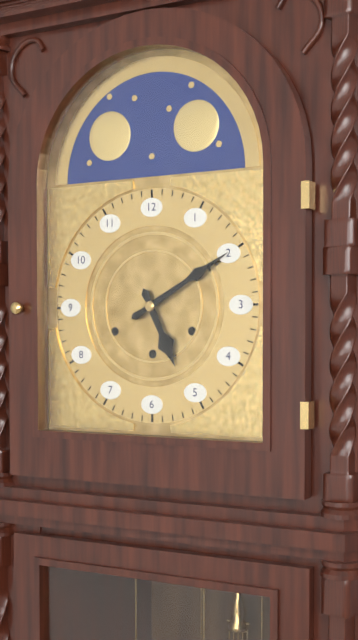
5 h 10 min
